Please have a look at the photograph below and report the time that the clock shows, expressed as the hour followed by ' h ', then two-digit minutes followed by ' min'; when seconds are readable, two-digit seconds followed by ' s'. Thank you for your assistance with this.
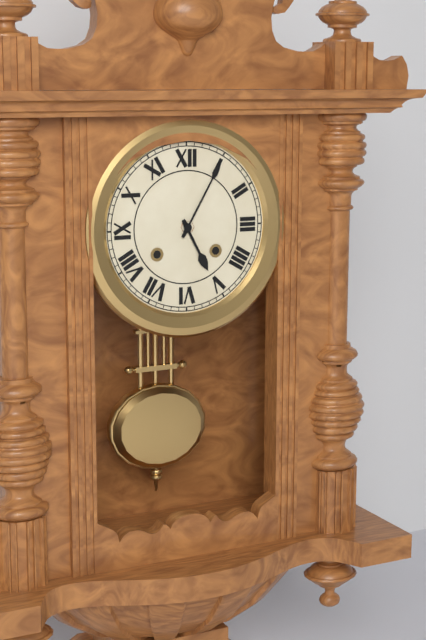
5 h 05 min
